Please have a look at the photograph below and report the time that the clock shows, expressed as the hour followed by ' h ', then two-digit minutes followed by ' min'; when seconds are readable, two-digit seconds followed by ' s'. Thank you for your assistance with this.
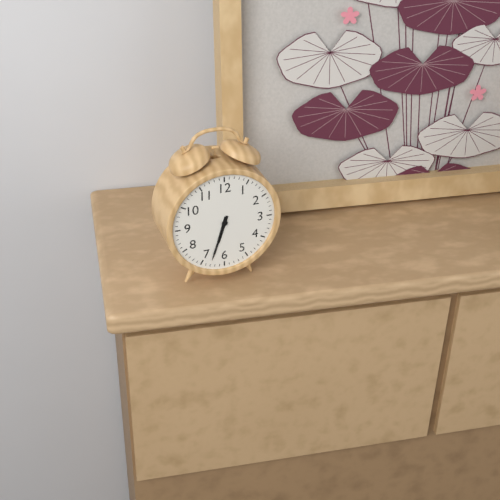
6 h 33 min
